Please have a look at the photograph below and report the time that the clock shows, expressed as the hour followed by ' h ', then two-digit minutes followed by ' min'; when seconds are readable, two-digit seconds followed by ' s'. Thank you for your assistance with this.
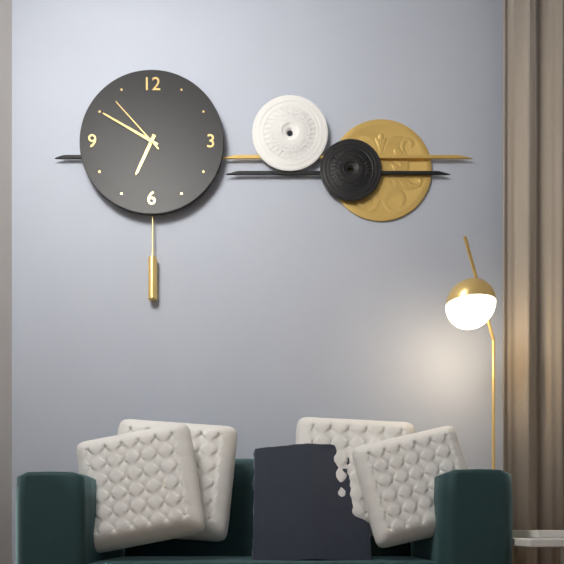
6 h 50 min 53 s
